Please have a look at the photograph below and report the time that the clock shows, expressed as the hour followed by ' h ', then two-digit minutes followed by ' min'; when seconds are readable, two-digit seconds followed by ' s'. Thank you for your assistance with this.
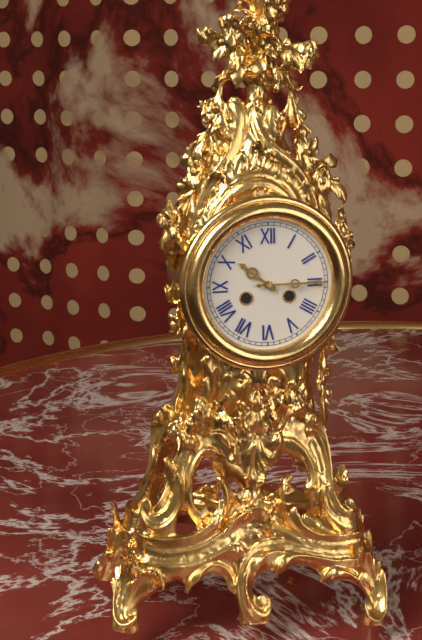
10 h 15 min
